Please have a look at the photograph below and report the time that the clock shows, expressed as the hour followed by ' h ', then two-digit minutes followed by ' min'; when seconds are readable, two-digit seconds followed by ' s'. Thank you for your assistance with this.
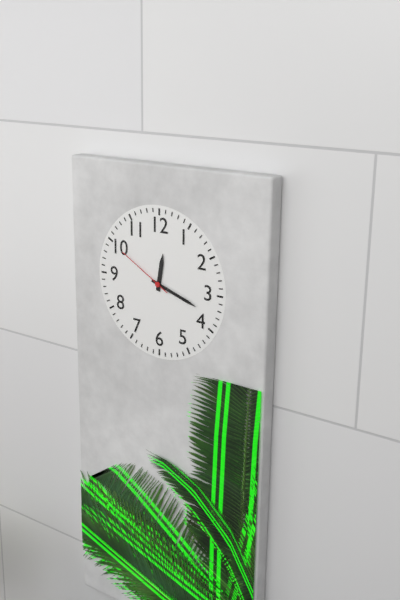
12 h 18 min 50 s
